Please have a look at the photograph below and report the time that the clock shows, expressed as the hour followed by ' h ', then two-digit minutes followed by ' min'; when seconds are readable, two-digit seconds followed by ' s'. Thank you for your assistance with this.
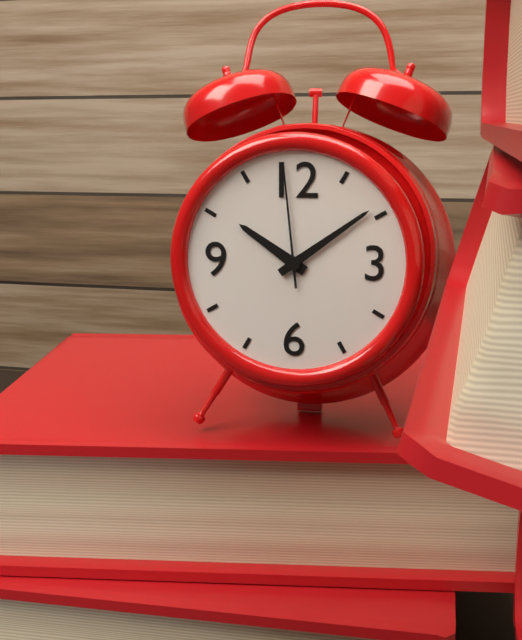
10 h 09 min 59 s
